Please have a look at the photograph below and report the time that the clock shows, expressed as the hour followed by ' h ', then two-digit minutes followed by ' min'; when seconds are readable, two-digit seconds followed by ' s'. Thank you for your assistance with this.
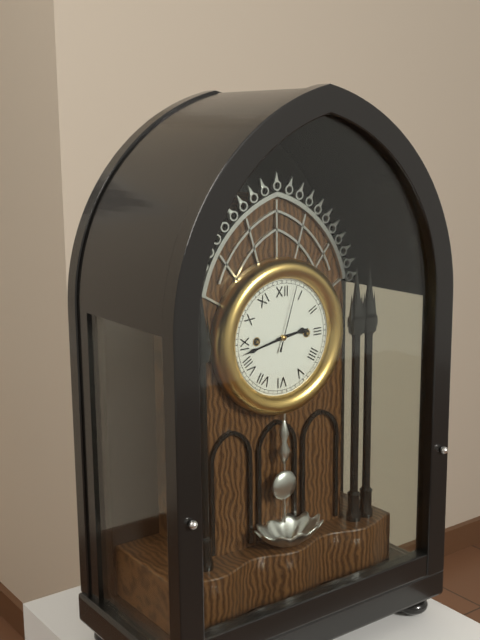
2 h 43 min 03 s
